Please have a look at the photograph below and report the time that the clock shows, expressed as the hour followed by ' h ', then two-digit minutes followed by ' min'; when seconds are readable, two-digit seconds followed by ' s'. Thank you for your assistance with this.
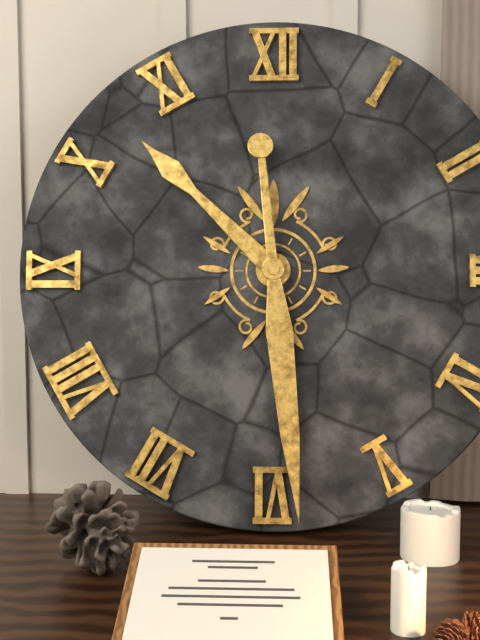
10 h 29 min
